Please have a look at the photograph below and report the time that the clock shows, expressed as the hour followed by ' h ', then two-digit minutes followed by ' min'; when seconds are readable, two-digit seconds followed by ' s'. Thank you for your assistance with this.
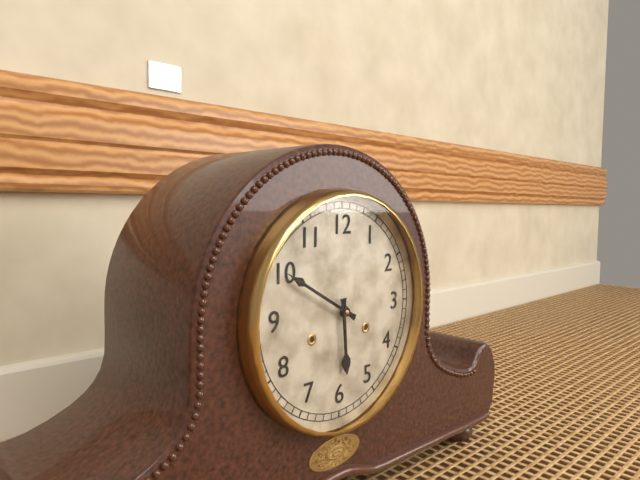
5 h 50 min
